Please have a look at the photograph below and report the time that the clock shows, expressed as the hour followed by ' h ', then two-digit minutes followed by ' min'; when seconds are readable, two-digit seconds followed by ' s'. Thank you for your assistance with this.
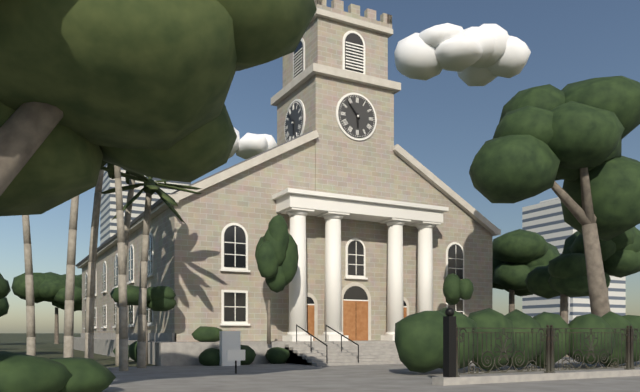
5 h 53 min
